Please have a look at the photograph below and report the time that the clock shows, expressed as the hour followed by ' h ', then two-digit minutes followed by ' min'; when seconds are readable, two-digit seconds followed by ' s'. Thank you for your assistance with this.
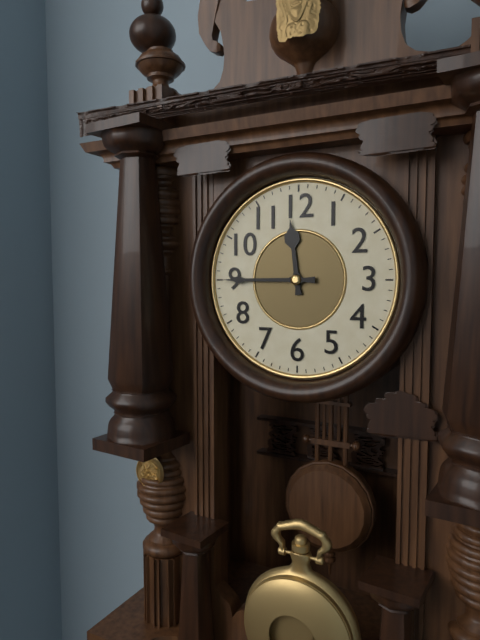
11 h 45 min
